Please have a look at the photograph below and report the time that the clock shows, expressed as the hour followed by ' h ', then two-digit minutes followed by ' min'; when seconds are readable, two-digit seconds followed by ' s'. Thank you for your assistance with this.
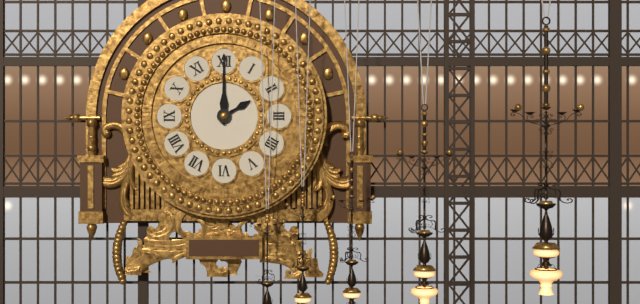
2 h 00 min
